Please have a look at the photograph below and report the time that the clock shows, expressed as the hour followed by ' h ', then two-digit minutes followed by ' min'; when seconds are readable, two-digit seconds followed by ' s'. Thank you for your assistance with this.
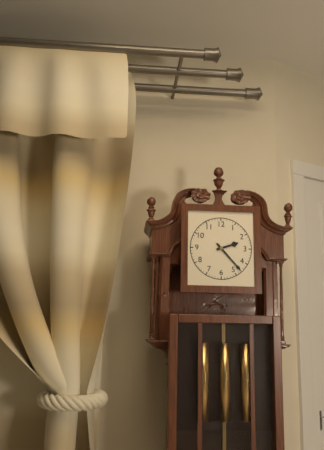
2 h 23 min
